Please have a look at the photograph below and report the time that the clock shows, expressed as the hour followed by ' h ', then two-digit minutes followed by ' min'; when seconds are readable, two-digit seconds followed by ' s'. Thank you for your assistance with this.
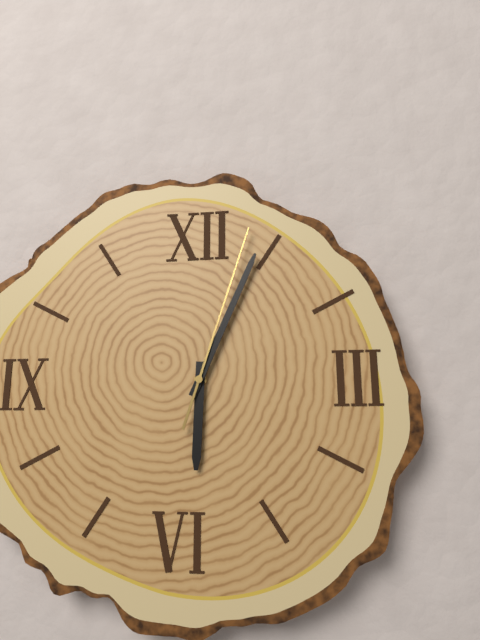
6 h 04 min 03 s
